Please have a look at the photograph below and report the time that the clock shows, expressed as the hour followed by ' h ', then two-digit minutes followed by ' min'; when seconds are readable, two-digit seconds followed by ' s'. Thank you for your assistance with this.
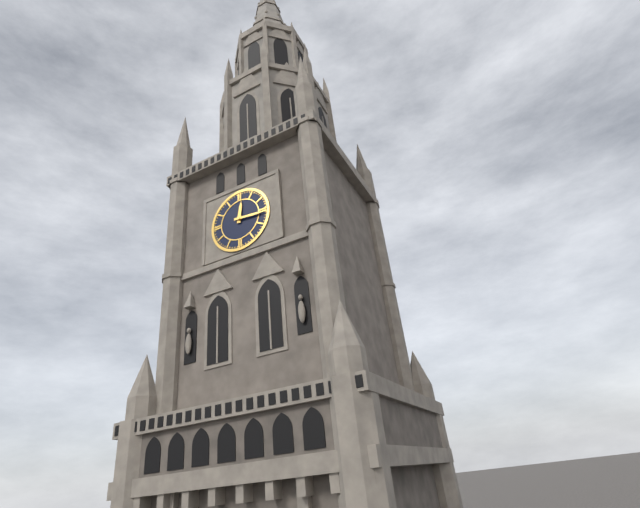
12 h 16 min
